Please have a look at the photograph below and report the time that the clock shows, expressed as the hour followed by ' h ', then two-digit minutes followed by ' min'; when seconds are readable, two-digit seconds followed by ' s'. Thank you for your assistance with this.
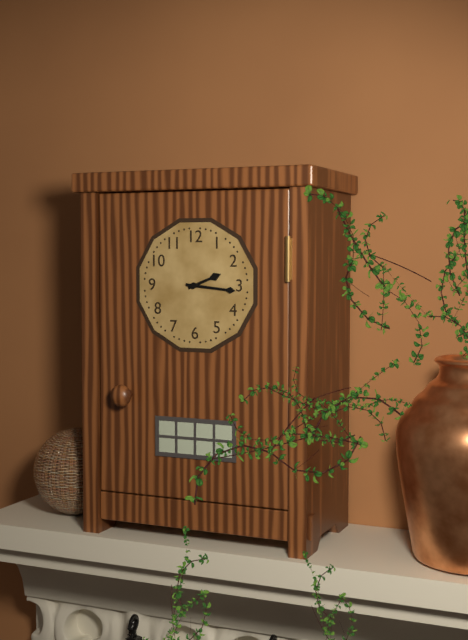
2 h 16 min
